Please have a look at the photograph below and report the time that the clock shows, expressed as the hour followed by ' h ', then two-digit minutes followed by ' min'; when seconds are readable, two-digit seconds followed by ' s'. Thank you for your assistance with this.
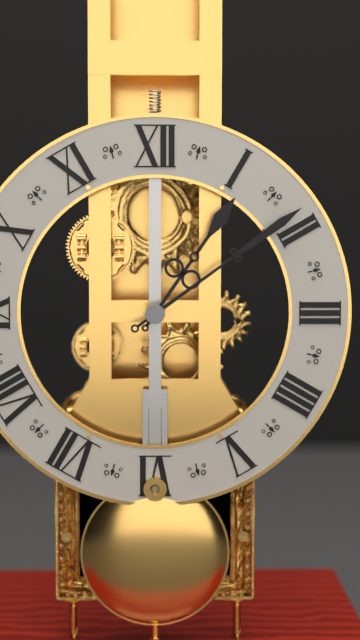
1 h 09 min
